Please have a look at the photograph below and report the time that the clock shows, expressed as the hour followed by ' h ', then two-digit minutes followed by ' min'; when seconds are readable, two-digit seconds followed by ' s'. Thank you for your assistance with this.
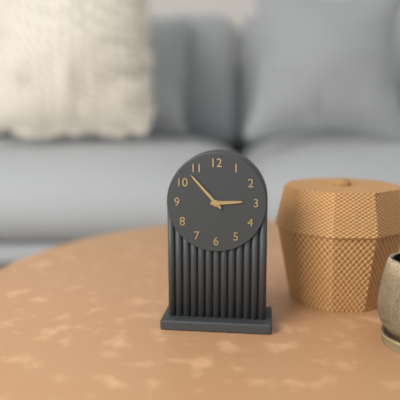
2 h 53 min
